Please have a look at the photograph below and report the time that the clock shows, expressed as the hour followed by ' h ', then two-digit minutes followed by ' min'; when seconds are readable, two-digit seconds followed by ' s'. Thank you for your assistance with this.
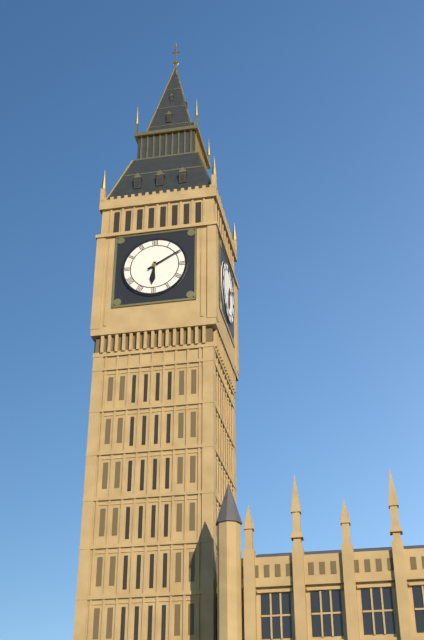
6 h 10 min
